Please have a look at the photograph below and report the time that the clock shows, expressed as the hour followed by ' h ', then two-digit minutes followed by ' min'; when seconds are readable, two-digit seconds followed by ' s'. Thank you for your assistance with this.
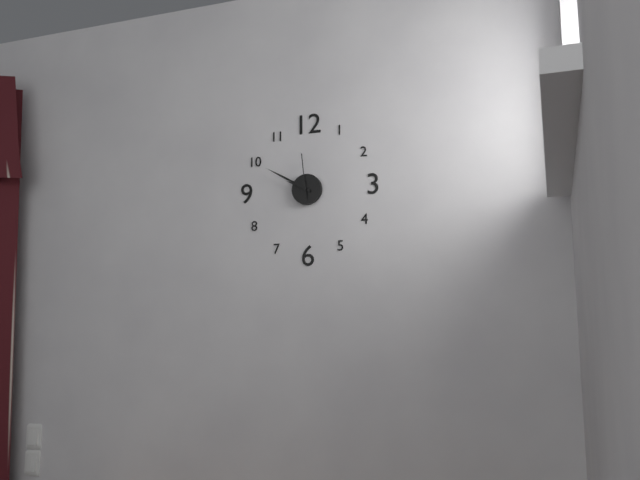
9 h 50 min
